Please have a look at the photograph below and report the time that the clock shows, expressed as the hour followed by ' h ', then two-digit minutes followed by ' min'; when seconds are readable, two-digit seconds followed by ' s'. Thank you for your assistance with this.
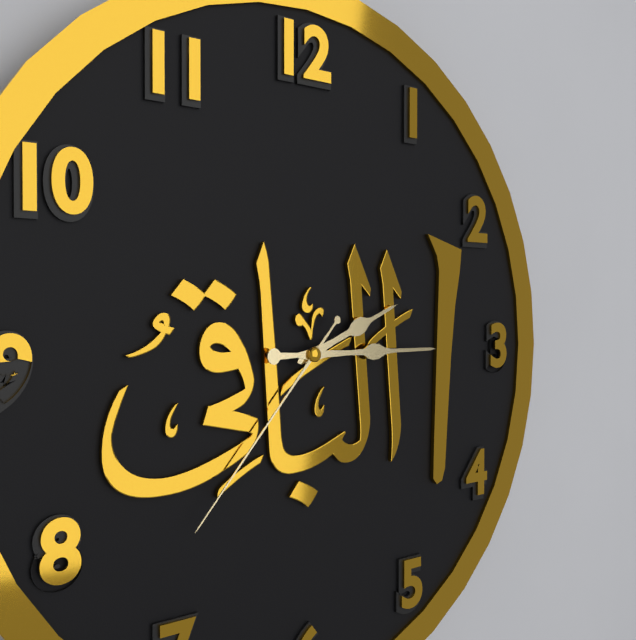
2 h 15 min 37 s
